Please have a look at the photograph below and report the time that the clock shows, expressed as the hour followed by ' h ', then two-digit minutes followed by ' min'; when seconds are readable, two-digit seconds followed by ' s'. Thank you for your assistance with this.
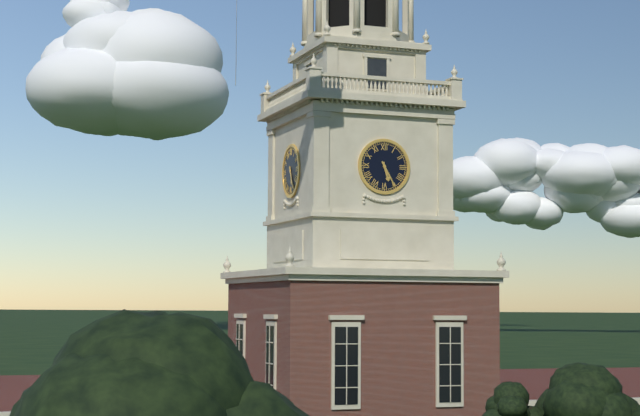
5 h 25 min
